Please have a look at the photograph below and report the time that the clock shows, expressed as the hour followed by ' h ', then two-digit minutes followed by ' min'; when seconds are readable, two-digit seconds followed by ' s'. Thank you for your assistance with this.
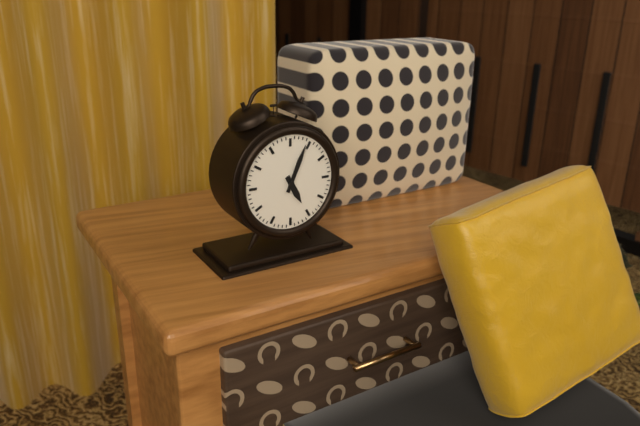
5 h 04 min
